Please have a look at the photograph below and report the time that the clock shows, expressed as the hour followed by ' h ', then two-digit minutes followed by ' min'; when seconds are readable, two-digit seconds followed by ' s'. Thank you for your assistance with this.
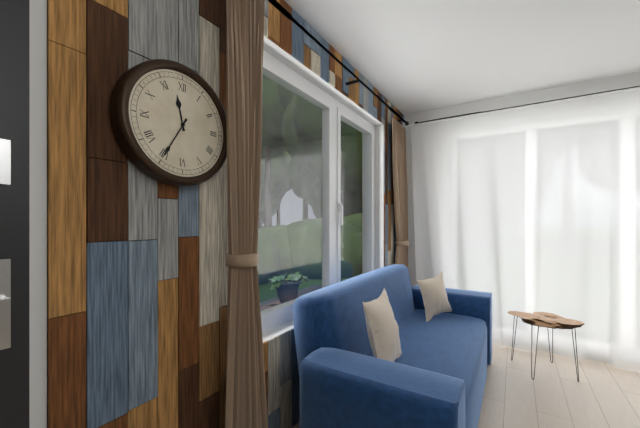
11 h 35 min
